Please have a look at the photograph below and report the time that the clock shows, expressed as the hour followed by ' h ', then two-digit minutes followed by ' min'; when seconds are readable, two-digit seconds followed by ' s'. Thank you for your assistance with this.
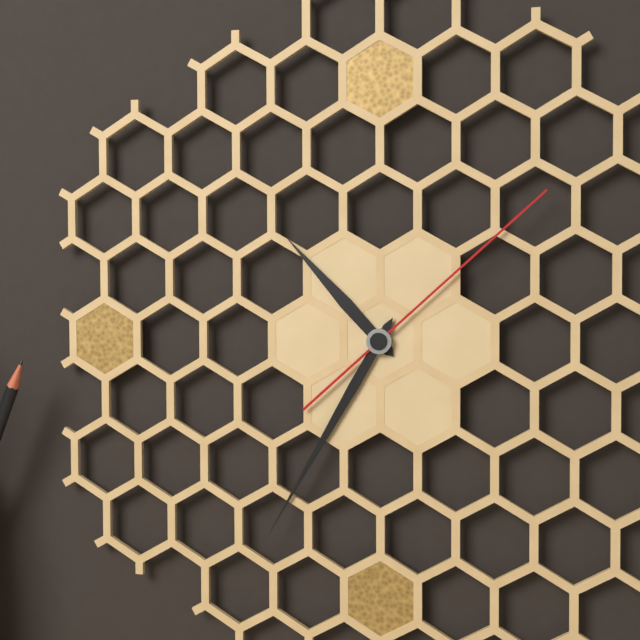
10 h 35 min 08 s
